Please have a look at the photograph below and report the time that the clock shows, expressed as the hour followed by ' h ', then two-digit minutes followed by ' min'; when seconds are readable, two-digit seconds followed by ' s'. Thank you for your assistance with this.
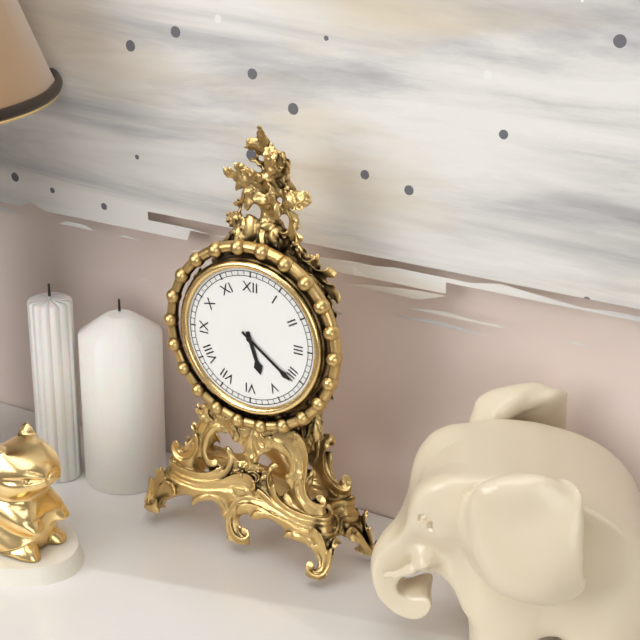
5 h 21 min
